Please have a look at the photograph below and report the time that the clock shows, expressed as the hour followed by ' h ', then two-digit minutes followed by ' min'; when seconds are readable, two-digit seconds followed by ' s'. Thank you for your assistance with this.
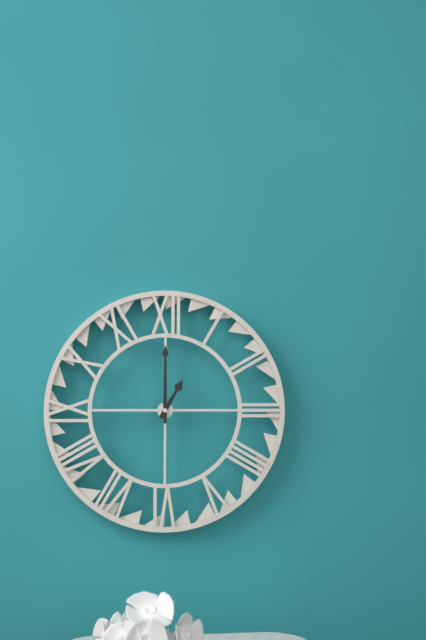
1 h 00 min
